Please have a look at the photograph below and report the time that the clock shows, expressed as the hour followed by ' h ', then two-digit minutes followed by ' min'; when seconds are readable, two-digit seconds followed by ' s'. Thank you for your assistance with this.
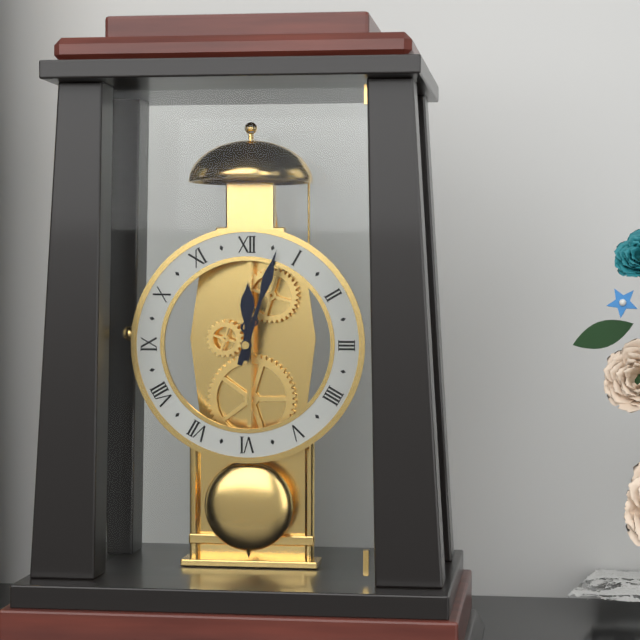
12 h 03 min
